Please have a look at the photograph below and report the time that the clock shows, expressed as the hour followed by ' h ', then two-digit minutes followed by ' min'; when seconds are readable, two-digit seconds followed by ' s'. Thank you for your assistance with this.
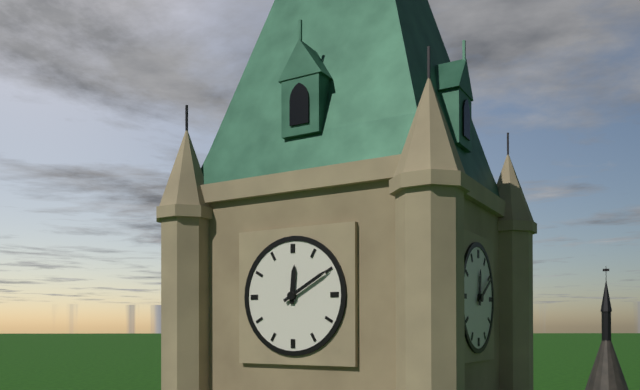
12 h 10 min
